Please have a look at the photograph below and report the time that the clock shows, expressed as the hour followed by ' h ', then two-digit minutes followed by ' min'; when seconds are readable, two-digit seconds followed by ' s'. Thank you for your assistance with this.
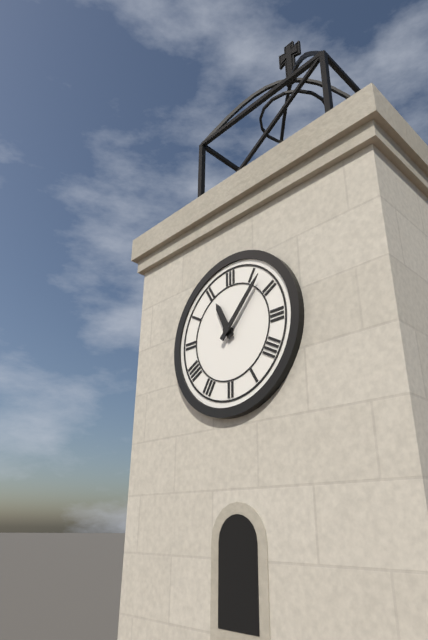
11 h 07 min
